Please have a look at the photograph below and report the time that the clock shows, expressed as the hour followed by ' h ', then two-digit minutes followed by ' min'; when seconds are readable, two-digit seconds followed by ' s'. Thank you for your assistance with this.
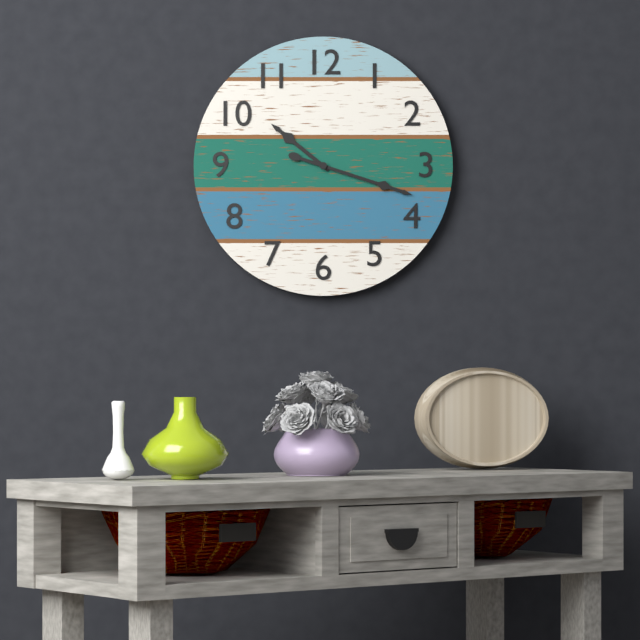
10 h 18 min
